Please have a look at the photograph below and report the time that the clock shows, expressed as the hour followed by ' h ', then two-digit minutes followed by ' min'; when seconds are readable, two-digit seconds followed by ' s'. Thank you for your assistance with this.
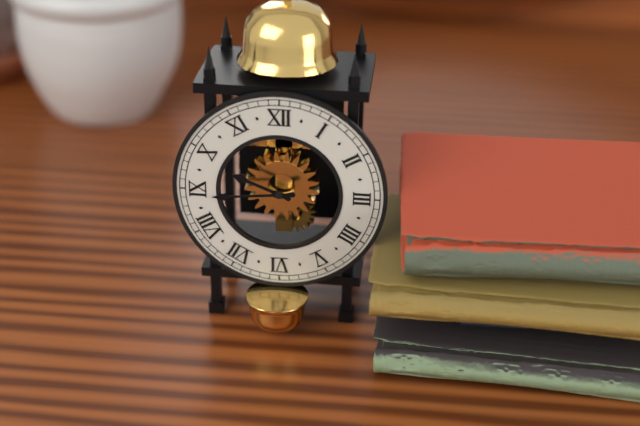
9 h 44 min
